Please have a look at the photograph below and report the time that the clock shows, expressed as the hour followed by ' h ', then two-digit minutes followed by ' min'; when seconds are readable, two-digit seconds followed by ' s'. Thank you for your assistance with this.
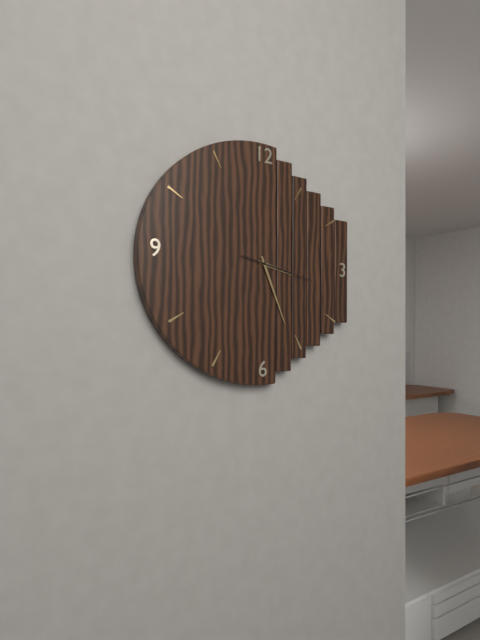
3 h 26 min 17 s
